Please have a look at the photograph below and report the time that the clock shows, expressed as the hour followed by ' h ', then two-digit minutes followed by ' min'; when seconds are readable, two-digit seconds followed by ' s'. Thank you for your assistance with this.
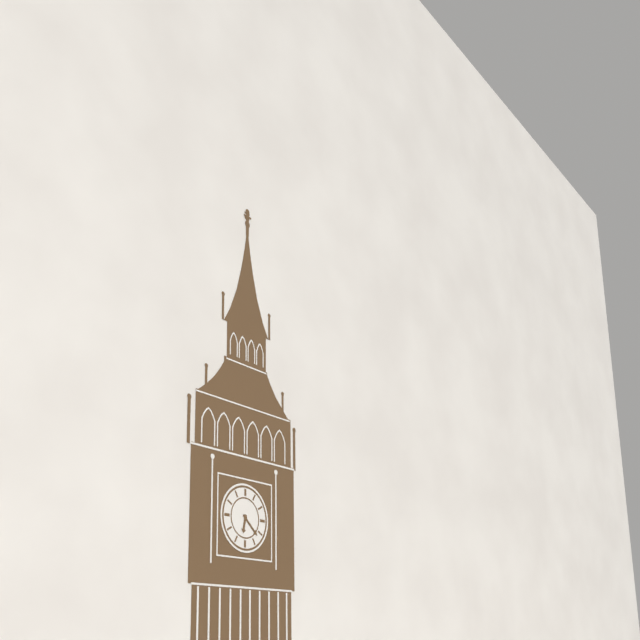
6 h 22 min
